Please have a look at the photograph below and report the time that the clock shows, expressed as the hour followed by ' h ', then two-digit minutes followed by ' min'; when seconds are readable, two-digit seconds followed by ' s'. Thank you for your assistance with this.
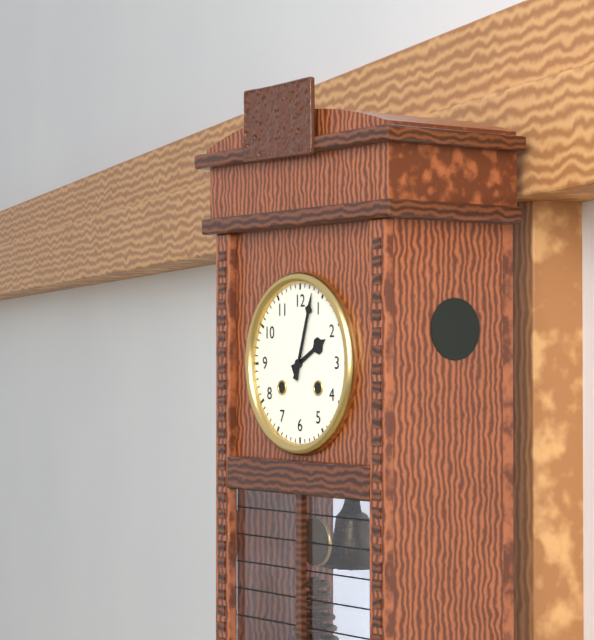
2 h 03 min
